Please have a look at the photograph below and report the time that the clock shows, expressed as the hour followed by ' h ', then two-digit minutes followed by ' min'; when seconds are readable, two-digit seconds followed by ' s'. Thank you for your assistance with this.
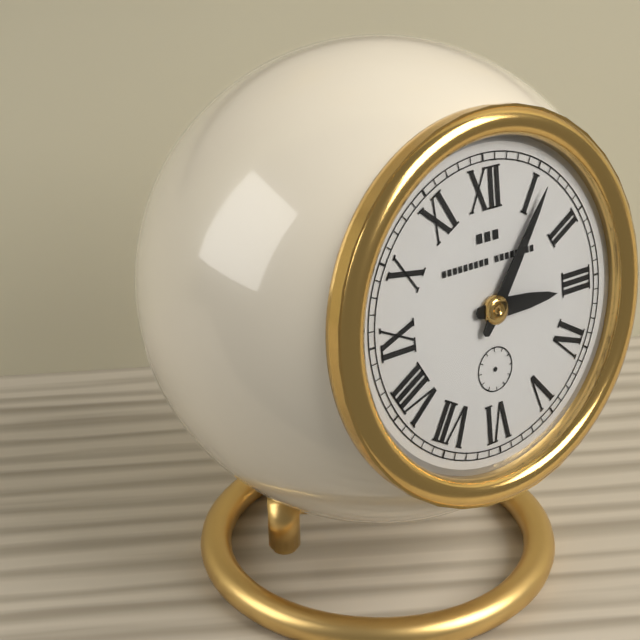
3 h 06 min
